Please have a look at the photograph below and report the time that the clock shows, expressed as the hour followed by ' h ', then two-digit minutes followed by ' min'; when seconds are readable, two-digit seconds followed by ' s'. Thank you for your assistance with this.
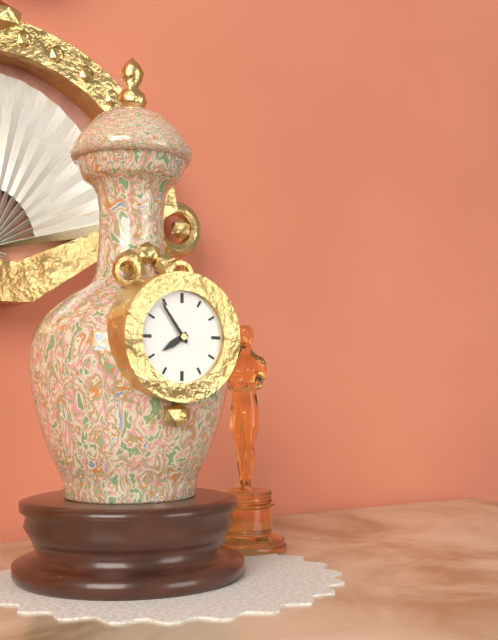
7 h 54 min
